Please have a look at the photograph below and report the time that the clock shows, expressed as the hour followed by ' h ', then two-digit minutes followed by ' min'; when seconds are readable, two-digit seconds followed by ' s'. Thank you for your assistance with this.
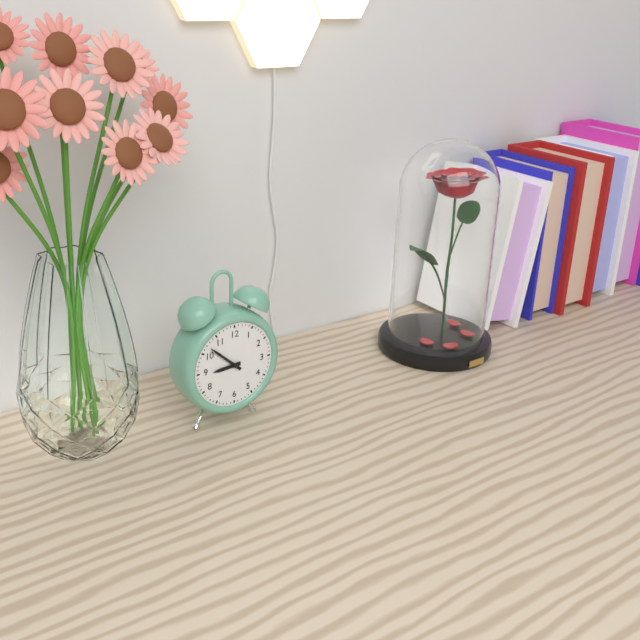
8 h 52 min
